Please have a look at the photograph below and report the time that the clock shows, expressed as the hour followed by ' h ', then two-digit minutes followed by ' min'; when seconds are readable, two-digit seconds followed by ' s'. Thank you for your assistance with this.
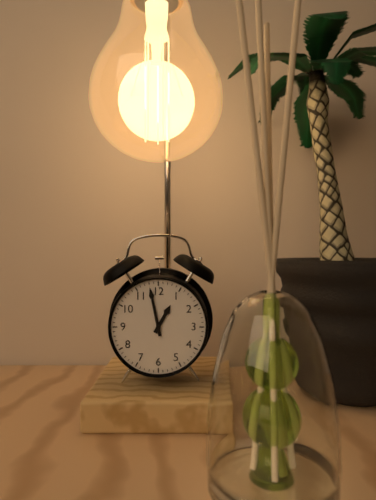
12 h 58 min
